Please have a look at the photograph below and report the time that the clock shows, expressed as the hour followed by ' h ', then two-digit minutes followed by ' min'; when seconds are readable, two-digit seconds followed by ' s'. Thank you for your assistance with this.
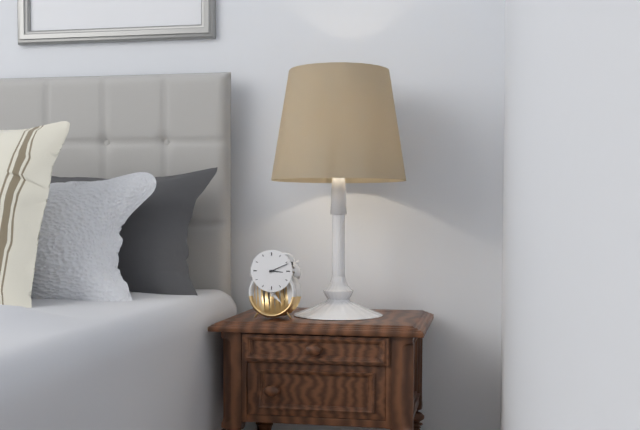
3 h 11 min
